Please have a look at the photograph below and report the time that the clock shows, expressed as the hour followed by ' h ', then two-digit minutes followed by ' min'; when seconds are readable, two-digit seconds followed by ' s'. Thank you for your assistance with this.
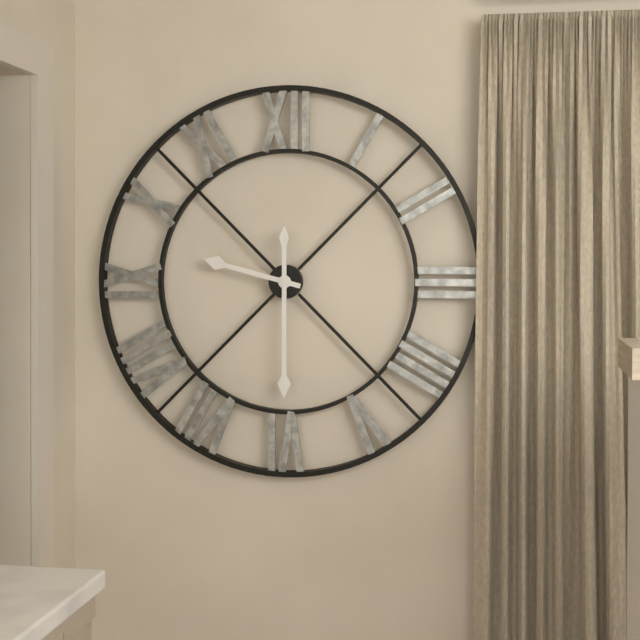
9 h 30 min
